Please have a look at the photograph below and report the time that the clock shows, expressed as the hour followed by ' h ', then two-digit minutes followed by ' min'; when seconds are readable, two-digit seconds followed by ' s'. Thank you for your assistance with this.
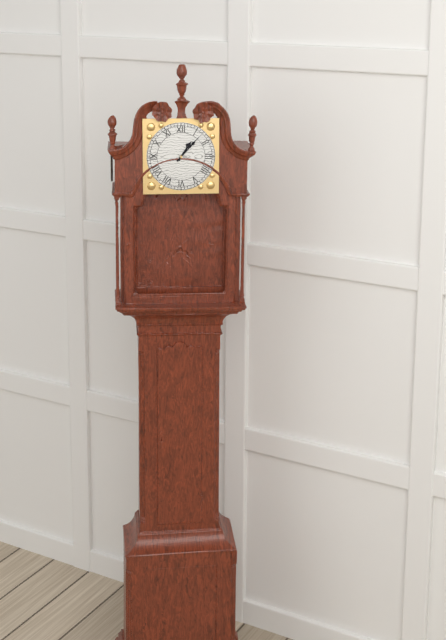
1 h 07 min
